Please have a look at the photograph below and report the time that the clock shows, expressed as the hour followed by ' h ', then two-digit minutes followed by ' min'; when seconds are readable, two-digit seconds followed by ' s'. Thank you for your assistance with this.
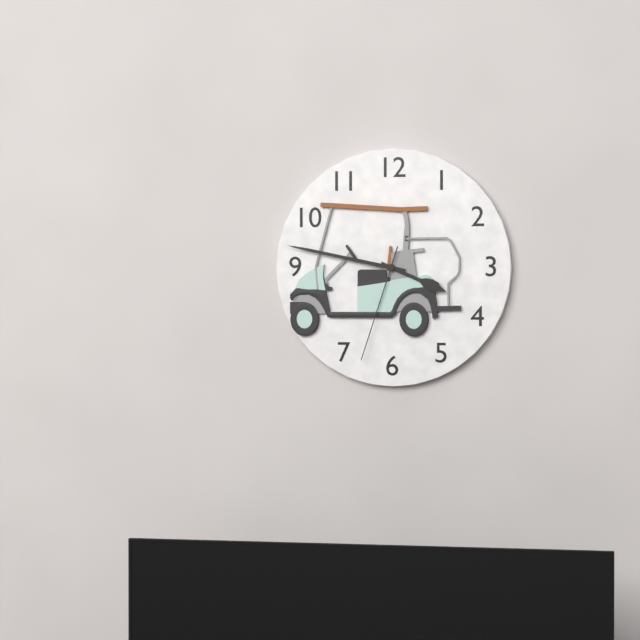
3 h 47 min 33 s
